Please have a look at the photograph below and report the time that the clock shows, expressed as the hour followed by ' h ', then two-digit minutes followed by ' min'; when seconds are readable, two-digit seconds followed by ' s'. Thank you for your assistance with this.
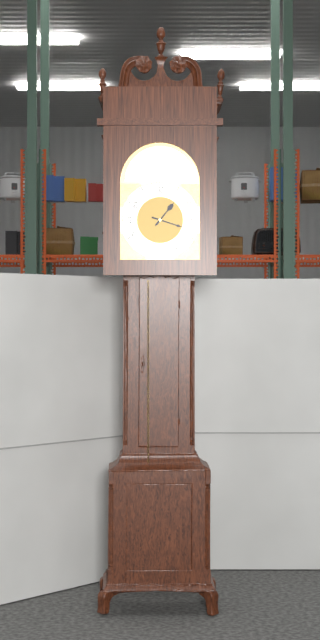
1 h 18 min
